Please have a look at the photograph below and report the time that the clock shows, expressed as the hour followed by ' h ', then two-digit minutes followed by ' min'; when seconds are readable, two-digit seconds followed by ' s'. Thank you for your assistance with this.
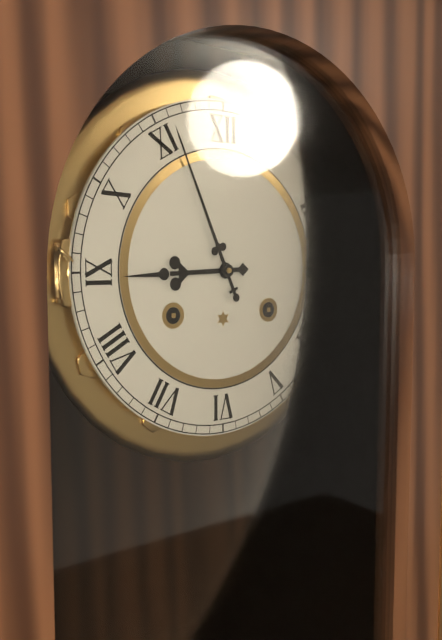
8 h 56 min
